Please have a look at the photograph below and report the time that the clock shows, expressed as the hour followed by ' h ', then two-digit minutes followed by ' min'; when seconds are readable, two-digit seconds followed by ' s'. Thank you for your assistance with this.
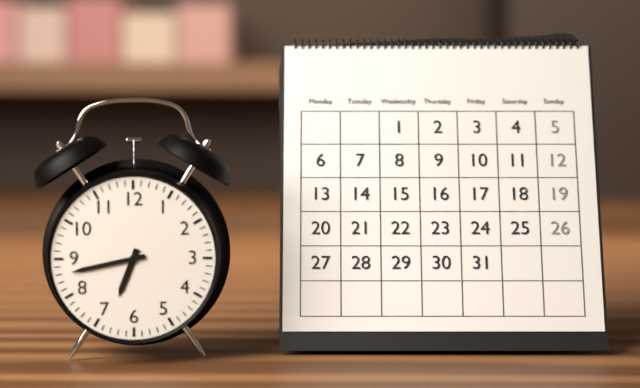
6 h 43 min
